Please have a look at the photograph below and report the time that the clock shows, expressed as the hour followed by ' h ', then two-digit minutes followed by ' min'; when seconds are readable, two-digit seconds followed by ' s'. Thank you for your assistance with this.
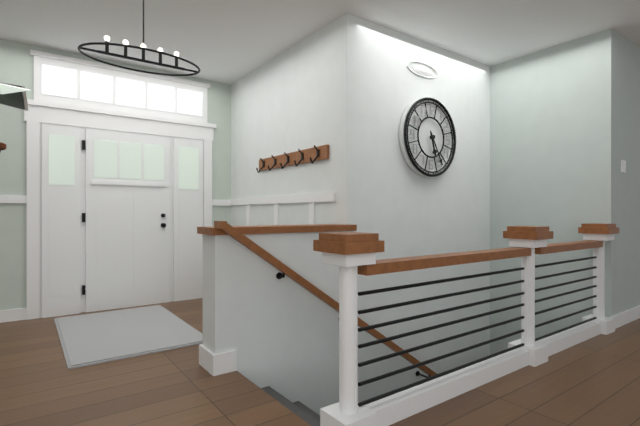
5 h 25 min
